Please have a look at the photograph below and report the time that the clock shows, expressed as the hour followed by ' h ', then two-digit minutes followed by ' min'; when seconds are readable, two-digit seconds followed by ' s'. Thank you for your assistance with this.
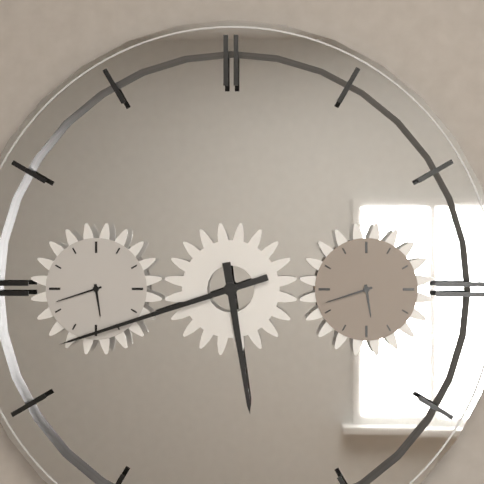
5 h 42 min
